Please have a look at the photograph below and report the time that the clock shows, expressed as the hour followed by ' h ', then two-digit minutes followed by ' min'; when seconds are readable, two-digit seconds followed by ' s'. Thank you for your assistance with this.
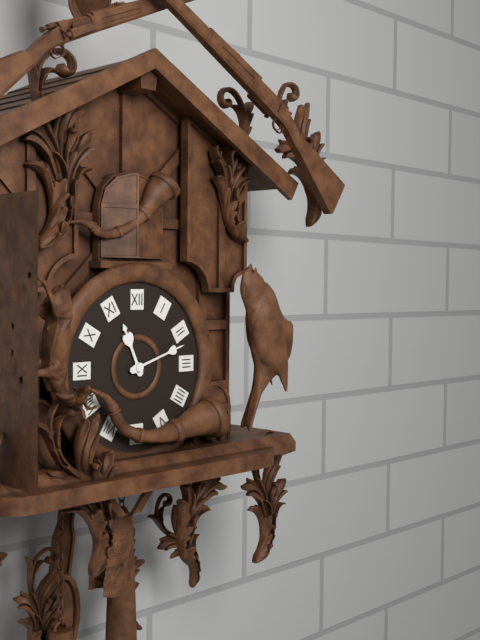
11 h 12 min
